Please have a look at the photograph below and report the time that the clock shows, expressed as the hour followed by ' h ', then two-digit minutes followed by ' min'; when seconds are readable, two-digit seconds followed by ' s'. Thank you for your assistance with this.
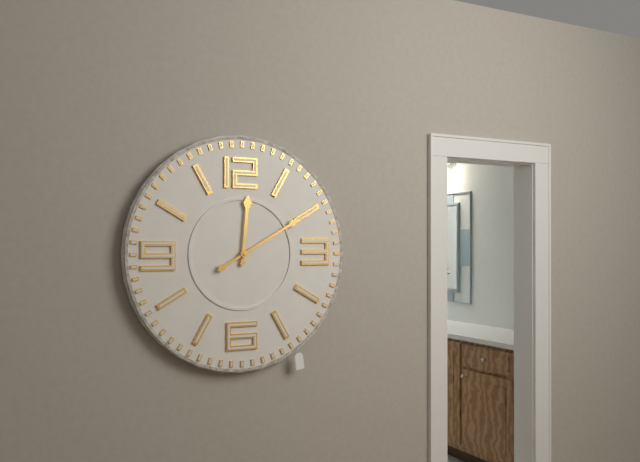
12 h 10 min
